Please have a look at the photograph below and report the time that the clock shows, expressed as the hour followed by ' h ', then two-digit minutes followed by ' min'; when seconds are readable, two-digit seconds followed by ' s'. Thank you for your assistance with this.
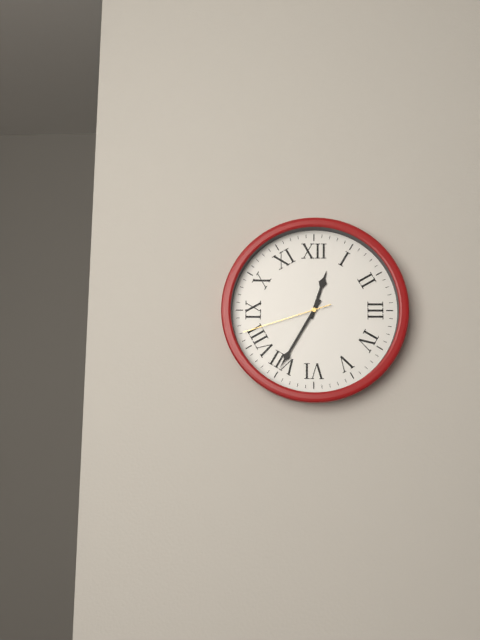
12 h 35 min 42 s
